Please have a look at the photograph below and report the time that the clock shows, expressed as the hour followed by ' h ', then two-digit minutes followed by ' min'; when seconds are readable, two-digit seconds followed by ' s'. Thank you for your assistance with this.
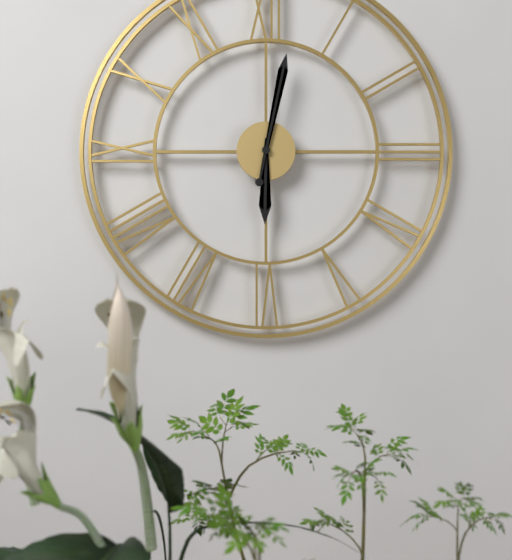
6 h 02 min
